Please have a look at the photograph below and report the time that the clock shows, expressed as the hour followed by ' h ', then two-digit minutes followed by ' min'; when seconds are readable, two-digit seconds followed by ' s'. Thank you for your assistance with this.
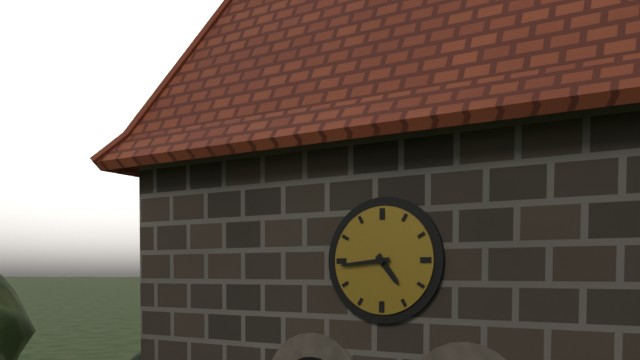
4 h 44 min
